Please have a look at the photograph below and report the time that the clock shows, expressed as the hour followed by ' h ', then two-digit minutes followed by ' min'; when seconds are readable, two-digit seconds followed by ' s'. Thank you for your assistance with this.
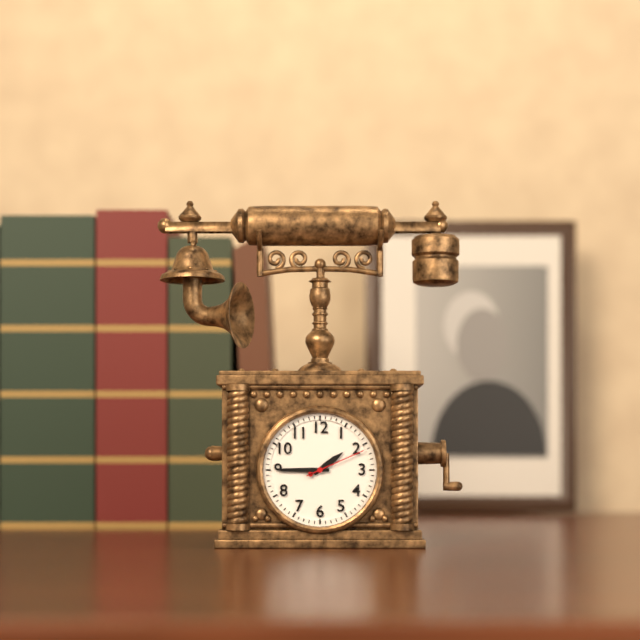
1 h 45 min 11 s
